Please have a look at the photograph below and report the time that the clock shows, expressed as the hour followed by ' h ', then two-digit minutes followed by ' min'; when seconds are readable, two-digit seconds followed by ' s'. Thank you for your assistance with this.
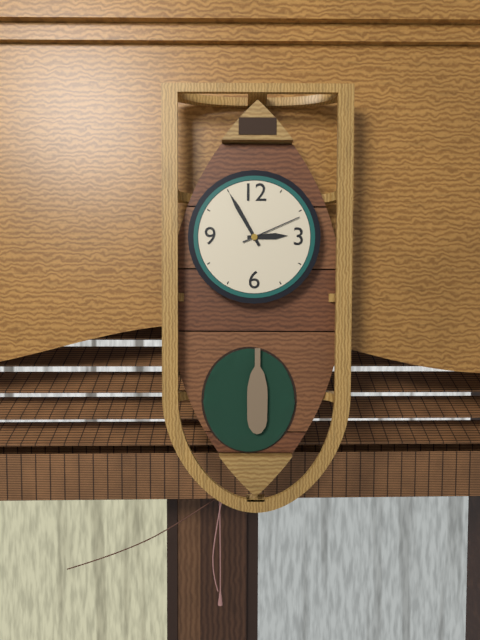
2 h 55 min 11 s
